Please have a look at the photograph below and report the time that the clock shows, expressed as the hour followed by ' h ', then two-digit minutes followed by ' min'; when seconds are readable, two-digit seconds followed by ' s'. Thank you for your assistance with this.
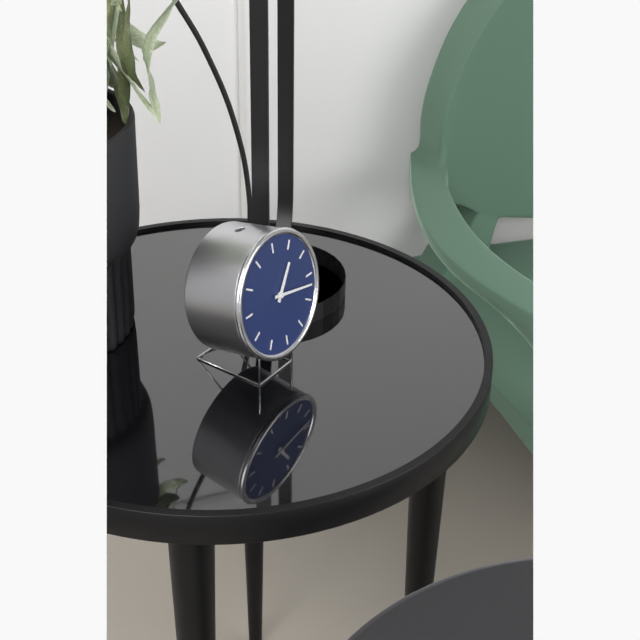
1 h 17 min
